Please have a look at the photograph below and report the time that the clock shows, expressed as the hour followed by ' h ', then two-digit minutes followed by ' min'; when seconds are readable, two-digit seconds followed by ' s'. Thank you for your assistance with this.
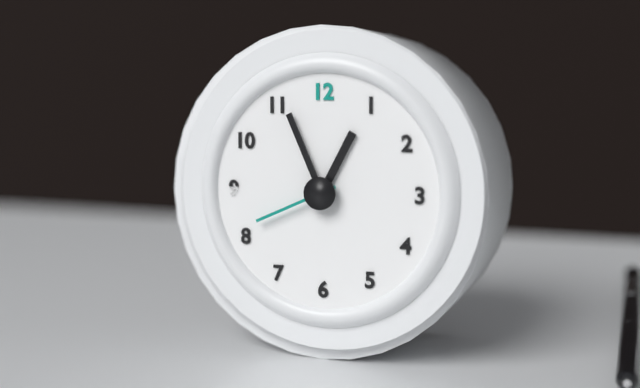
12 h 56 min 41 s
